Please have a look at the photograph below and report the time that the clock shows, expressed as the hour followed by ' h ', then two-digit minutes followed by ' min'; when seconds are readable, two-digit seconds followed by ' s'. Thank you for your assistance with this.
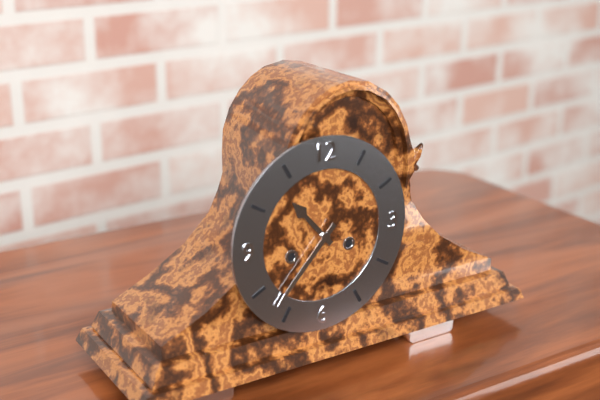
10 h 37 min
